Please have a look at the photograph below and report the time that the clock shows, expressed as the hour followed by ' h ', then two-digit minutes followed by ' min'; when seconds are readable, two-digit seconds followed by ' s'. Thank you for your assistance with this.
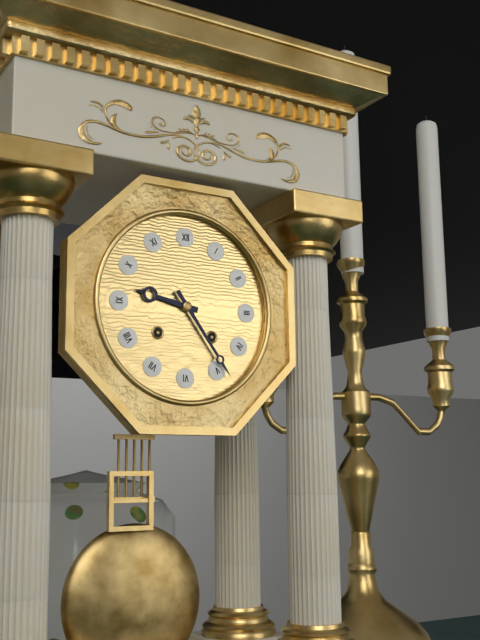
9 h 24 min
